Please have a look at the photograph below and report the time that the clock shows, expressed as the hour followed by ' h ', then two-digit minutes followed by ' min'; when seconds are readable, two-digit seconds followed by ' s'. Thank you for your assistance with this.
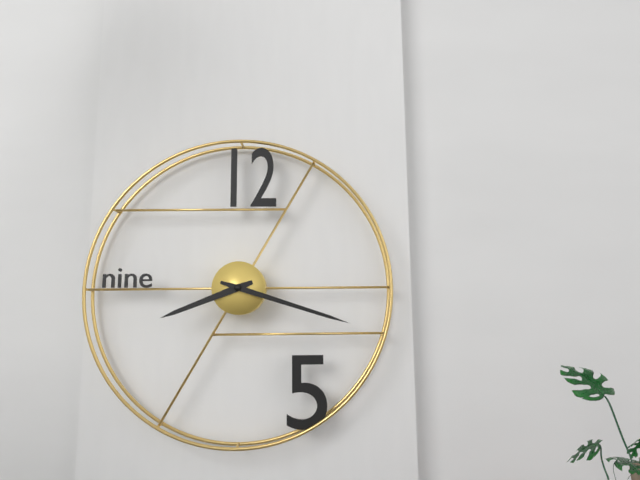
8 h 18 min
